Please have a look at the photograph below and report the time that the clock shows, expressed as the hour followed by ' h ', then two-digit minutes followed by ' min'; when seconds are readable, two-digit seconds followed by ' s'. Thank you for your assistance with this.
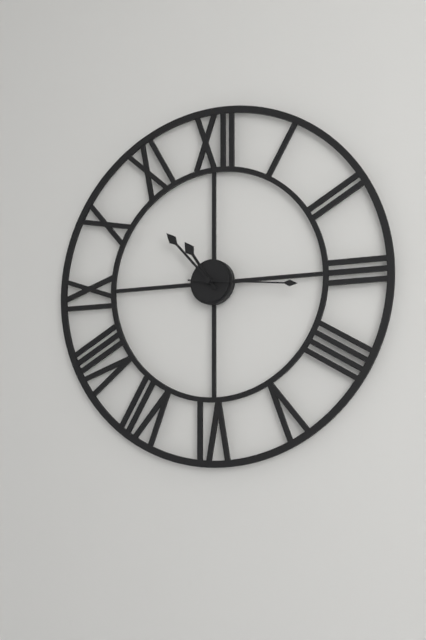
10 h 53 min 16 s
